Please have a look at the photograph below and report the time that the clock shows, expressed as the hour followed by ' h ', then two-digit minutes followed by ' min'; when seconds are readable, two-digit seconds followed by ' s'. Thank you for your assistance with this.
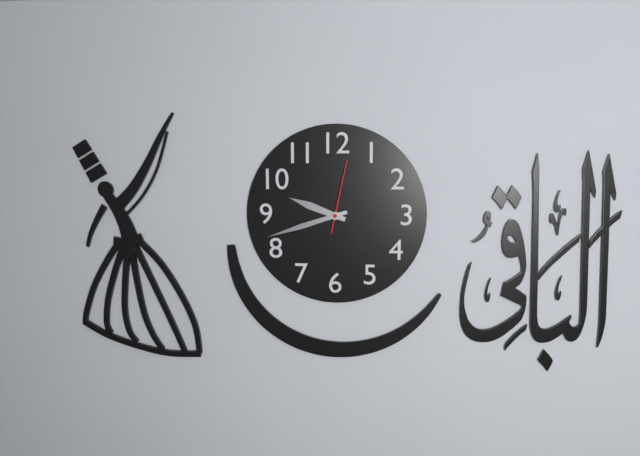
9 h 42 min 02 s
